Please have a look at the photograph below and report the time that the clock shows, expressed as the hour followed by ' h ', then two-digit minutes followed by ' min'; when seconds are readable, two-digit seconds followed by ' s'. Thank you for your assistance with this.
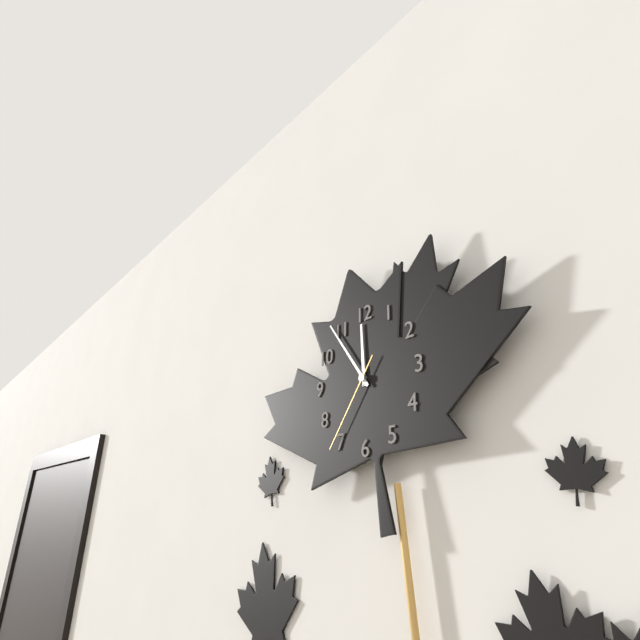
11 h 54 min 36 s
